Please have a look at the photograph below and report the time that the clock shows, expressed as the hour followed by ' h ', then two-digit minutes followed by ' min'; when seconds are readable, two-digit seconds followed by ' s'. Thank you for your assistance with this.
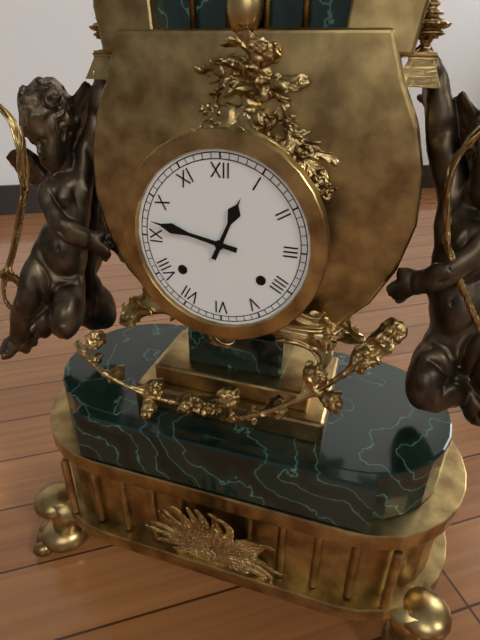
12 h 47 min
